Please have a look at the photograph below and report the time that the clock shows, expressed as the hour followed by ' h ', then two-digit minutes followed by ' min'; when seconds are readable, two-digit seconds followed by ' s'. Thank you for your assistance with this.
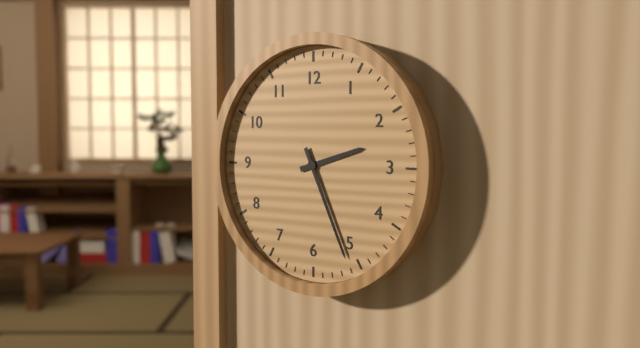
2 h 26 min
